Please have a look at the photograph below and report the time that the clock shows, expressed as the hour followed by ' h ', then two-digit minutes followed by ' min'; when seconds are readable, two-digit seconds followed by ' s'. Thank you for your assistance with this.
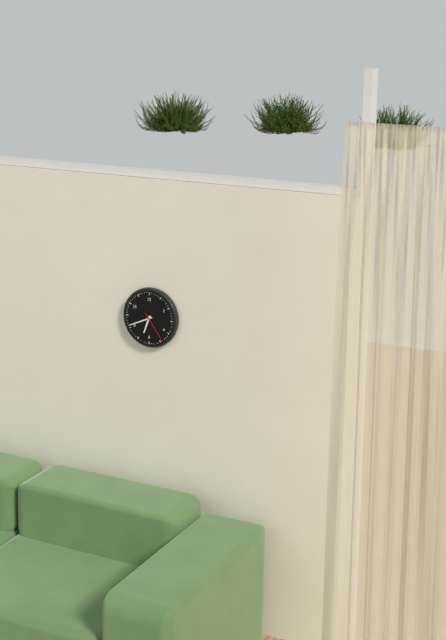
6 h 41 min
